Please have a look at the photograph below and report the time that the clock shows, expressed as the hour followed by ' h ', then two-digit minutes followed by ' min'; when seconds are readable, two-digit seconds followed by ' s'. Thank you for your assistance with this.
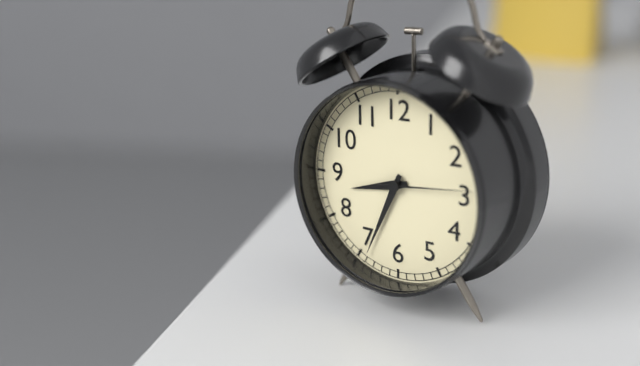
8 h 34 min 14 s
